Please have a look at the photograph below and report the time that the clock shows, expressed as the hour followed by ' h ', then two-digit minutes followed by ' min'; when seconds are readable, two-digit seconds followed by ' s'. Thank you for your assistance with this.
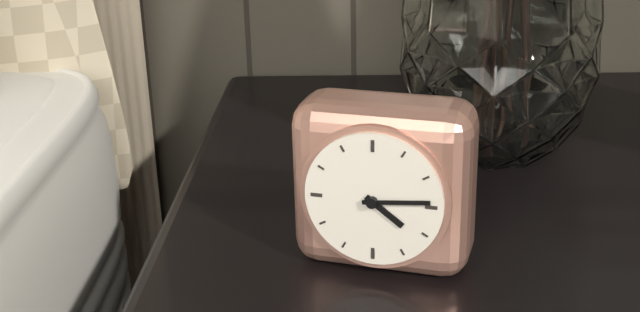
4 h 14 min
